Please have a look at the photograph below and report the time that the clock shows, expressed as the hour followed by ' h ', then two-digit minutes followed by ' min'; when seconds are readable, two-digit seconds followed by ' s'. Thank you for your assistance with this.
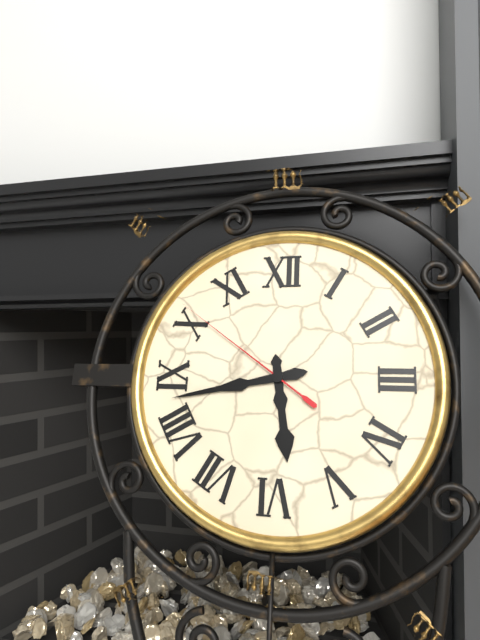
5 h 43 min 51 s
